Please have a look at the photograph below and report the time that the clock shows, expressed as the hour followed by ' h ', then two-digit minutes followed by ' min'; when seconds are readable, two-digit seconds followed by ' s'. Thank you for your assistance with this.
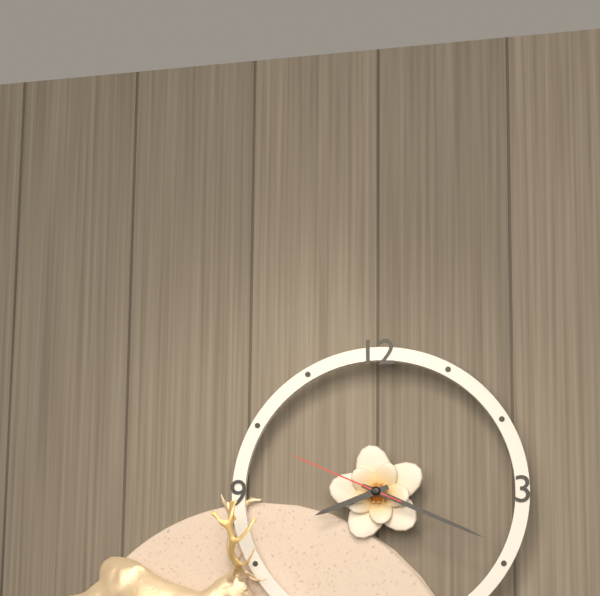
8 h 19 min 49 s
